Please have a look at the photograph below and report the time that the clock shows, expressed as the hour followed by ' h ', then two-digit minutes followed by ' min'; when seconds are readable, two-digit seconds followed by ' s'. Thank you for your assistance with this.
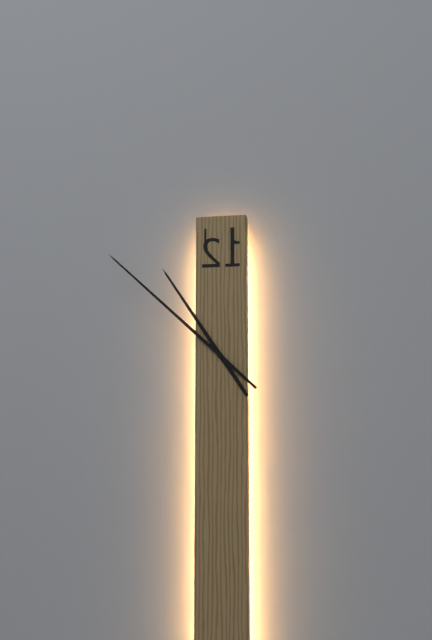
10 h 52 min
